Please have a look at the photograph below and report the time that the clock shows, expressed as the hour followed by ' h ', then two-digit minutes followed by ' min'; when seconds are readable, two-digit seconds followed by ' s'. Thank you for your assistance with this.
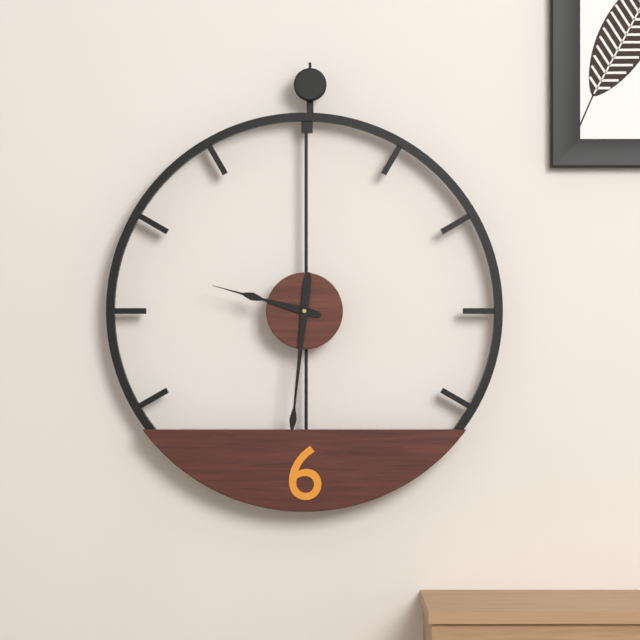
9 h 31 min
